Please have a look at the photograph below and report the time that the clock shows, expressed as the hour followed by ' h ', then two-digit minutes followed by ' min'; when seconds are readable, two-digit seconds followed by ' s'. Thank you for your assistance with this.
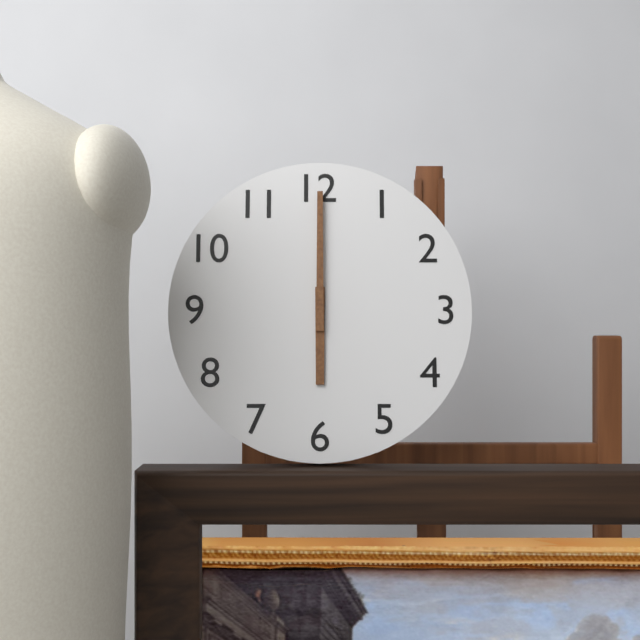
6 h 00 min
